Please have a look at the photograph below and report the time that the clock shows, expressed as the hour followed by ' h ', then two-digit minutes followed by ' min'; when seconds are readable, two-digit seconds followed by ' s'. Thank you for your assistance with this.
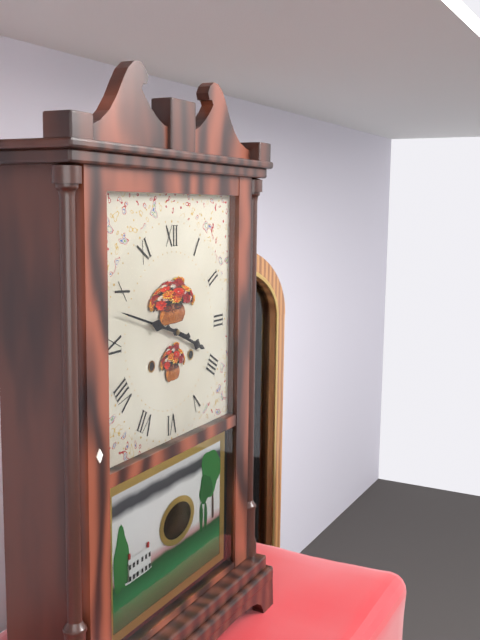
3 h 48 min
